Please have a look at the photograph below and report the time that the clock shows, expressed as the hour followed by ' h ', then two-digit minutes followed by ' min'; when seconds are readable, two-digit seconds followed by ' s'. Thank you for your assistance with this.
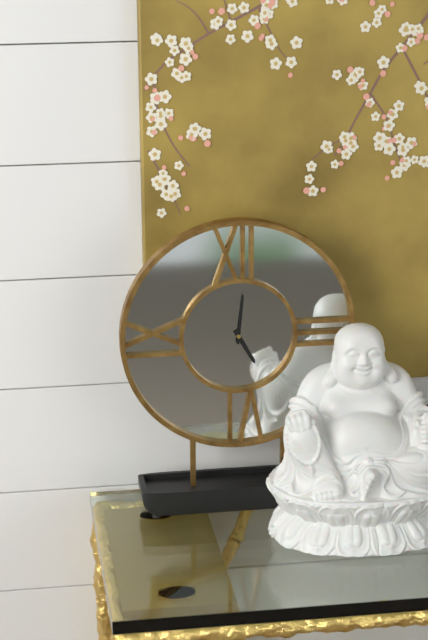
5 h 01 min
